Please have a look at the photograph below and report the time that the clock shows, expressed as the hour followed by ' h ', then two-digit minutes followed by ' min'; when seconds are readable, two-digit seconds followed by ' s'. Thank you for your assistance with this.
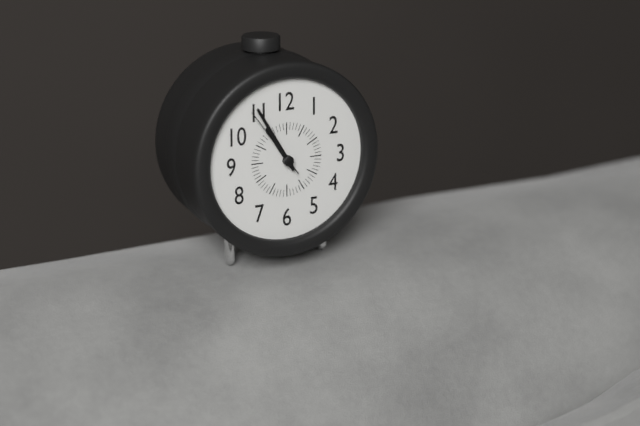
10 h 55 min 54 s
